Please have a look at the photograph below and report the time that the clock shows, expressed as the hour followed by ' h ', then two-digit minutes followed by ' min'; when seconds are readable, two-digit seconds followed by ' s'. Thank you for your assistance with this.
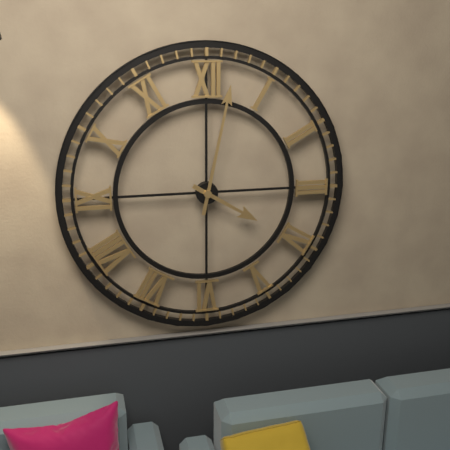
4 h 02 min
